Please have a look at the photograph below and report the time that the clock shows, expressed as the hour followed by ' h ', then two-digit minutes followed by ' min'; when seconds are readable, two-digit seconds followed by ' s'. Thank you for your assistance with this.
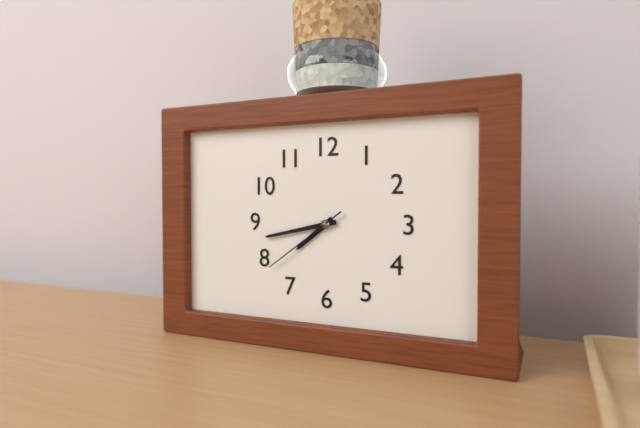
7 h 43 min 39 s
